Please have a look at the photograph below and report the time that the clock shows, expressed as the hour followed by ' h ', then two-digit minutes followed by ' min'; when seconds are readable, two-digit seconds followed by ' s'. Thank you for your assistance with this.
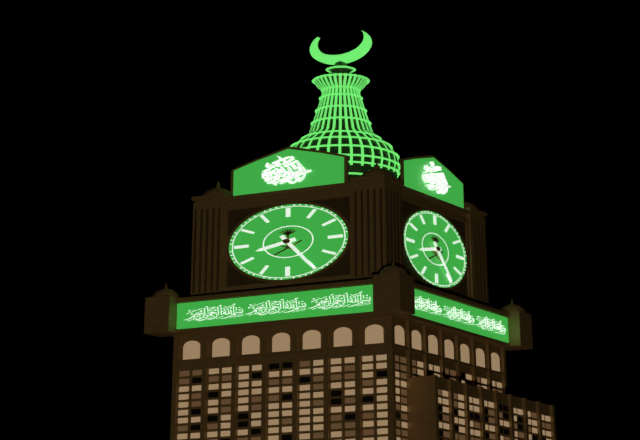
8 h 25 min
